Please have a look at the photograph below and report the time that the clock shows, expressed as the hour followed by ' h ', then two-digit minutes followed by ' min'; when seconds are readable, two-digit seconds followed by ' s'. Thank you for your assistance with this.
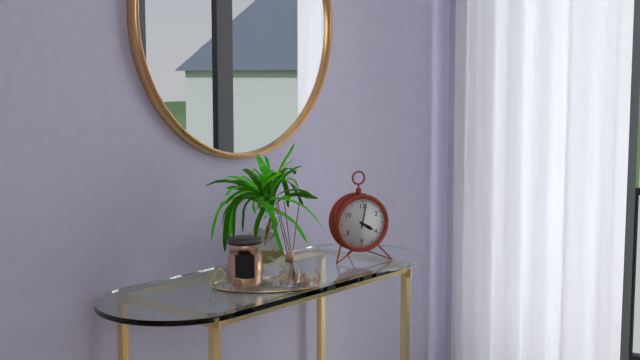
4 h 02 min
